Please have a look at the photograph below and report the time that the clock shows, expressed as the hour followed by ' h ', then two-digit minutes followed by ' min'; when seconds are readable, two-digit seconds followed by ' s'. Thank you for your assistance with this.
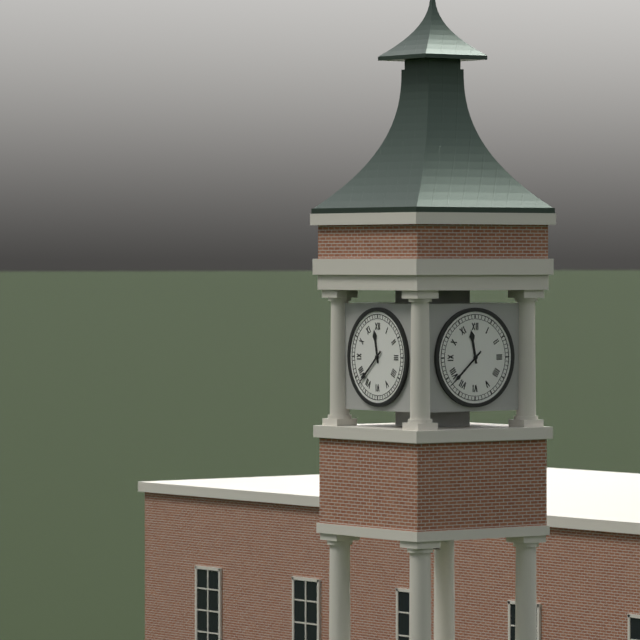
11 h 38 min
